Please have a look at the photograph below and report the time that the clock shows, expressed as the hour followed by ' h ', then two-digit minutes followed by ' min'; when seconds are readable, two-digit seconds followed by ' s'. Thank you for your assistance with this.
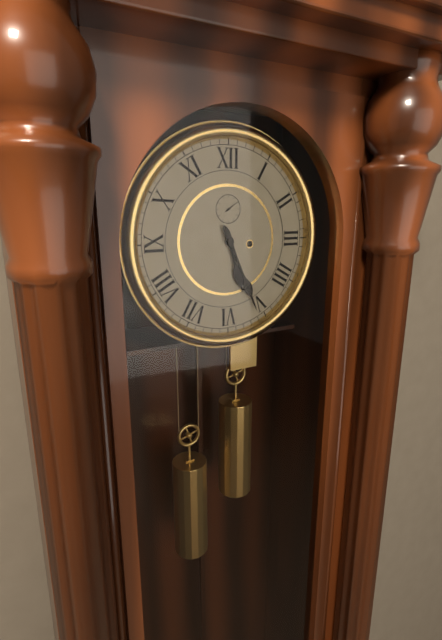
5 h 26 min
